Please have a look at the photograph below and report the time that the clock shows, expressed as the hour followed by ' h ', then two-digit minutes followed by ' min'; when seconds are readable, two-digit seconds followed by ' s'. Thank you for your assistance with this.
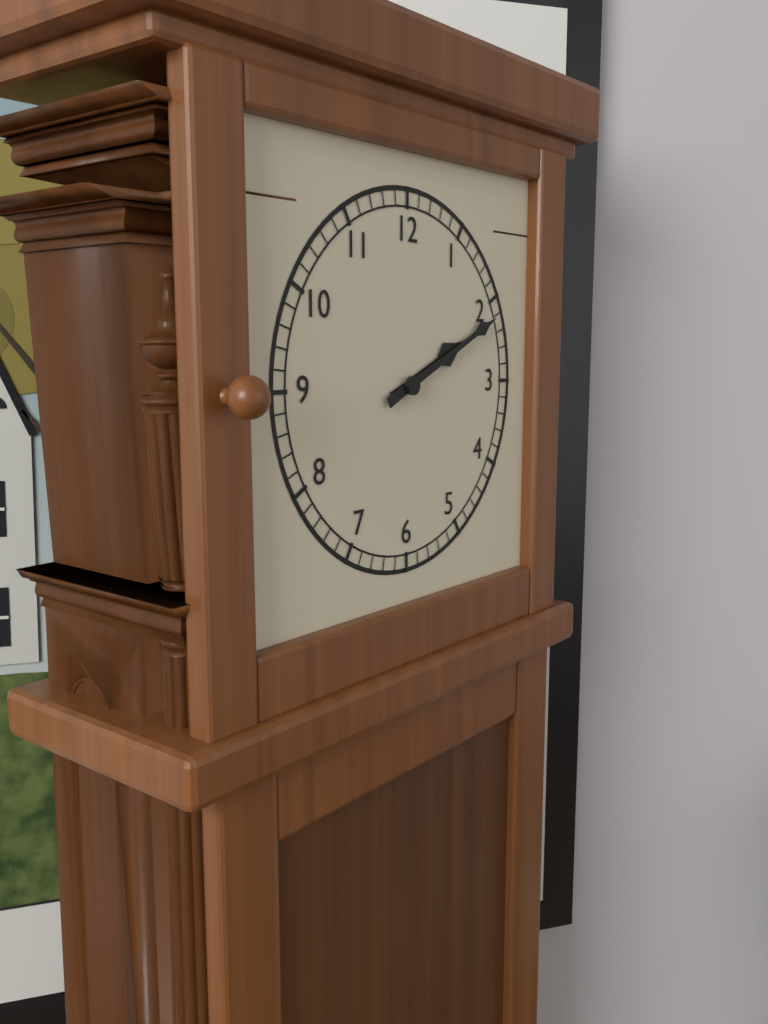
2 h 11 min
